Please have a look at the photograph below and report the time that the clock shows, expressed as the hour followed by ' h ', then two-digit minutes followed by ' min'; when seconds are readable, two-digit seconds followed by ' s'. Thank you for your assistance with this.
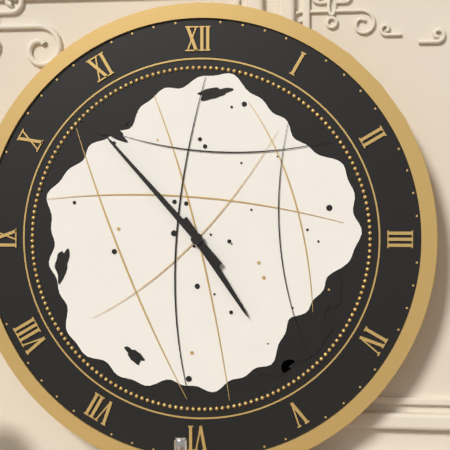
4 h 53 min
